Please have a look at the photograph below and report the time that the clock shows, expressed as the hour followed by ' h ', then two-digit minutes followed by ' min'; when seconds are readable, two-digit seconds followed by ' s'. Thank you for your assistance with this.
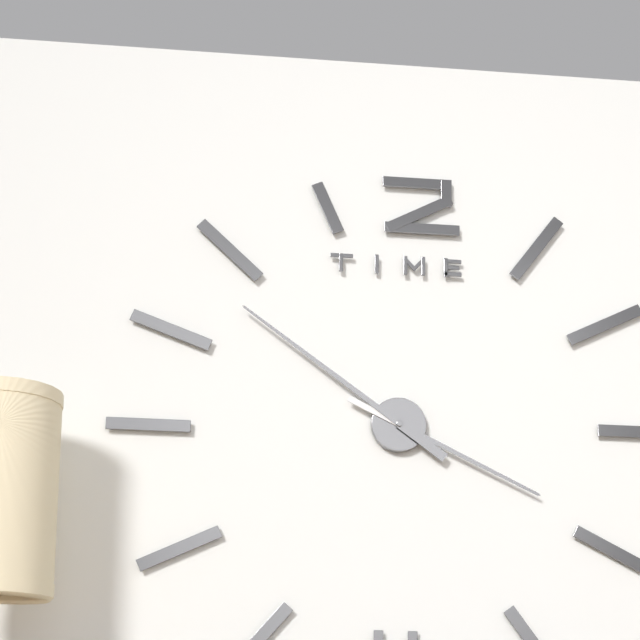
3 h 51 min
